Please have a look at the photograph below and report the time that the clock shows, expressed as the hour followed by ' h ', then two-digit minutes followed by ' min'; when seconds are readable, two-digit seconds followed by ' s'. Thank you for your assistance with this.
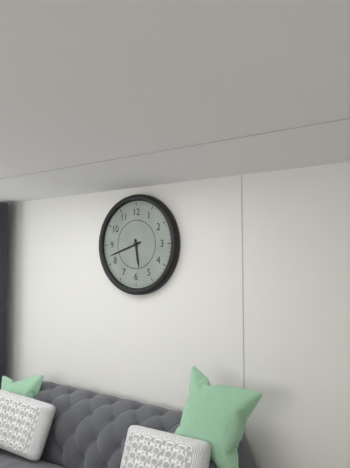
5 h 42 min
